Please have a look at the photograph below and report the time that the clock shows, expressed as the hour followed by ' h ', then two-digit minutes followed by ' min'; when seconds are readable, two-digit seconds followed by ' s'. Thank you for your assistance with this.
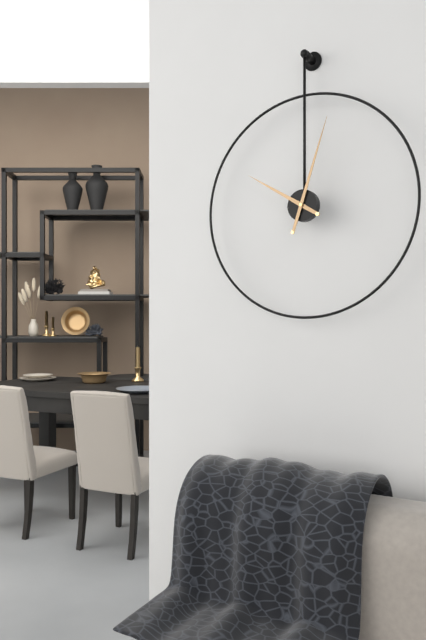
10 h 03 min
